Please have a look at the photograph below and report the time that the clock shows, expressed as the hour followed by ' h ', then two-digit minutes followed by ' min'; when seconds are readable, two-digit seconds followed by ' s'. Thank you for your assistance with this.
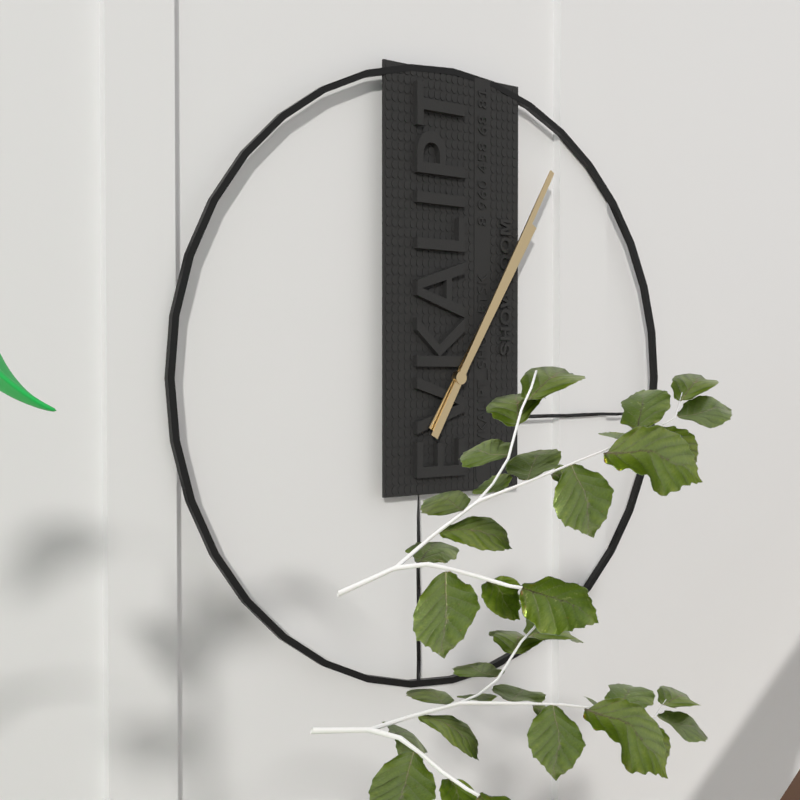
1 h 05 min
